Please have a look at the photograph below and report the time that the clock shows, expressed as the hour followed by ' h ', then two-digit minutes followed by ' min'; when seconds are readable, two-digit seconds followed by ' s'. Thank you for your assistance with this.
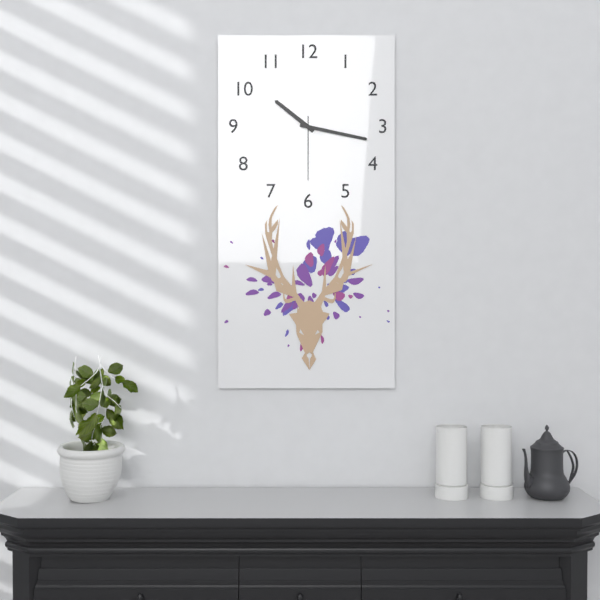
10 h 17 min 30 s
